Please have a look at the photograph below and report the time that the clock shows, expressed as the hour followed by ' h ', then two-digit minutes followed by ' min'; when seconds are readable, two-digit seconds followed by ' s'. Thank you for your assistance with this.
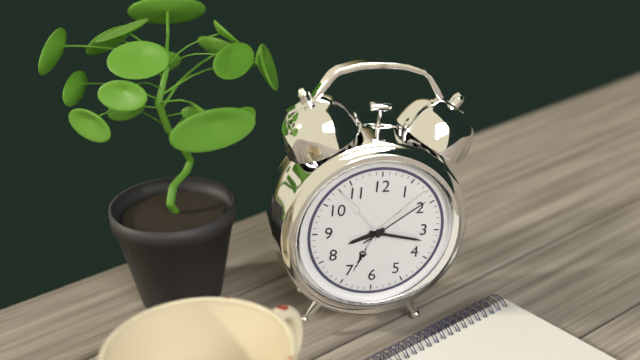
8 h 17 min 09 s
